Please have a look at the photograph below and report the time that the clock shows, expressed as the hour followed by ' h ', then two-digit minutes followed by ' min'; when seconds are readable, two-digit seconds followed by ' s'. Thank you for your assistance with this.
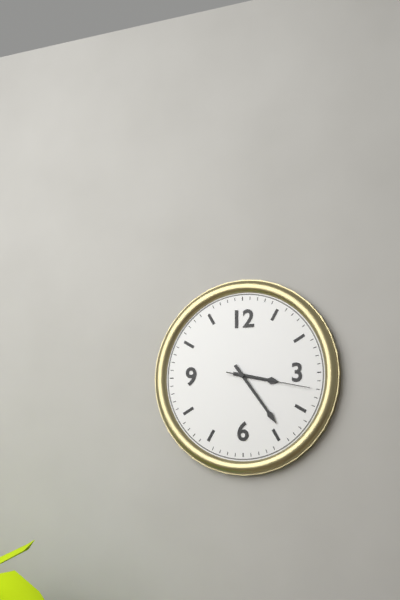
3 h 24 min 17 s
